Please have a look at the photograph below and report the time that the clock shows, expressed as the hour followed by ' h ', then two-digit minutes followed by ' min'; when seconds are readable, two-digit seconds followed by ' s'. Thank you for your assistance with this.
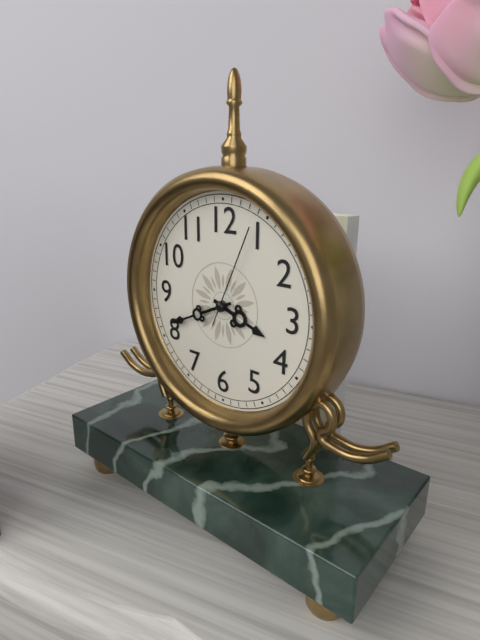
3 h 41 min 04 s
